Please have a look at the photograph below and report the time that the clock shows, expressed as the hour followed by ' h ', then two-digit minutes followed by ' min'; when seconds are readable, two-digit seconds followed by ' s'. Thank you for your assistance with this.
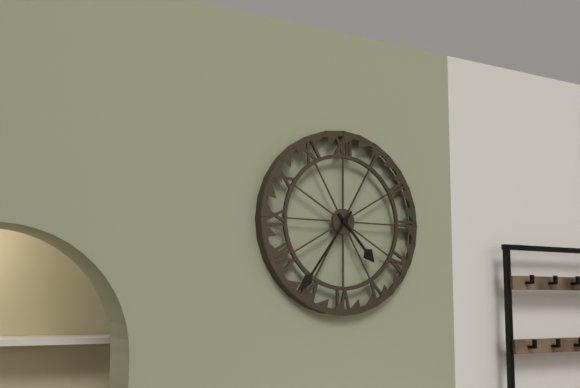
4 h 36 min
